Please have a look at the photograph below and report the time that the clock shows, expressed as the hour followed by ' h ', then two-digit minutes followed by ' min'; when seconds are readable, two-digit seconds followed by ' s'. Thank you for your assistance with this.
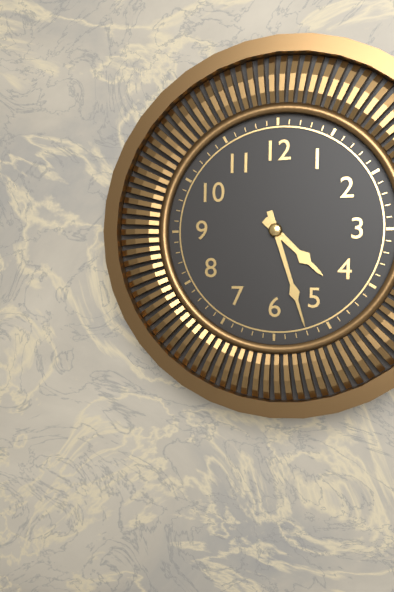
4 h 27 min
